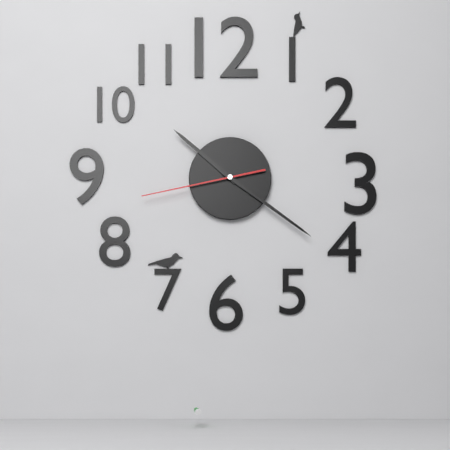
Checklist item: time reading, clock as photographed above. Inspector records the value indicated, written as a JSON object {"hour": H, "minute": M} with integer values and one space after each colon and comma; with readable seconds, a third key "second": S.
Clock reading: {"hour": 10, "minute": 21, "second": 43}
